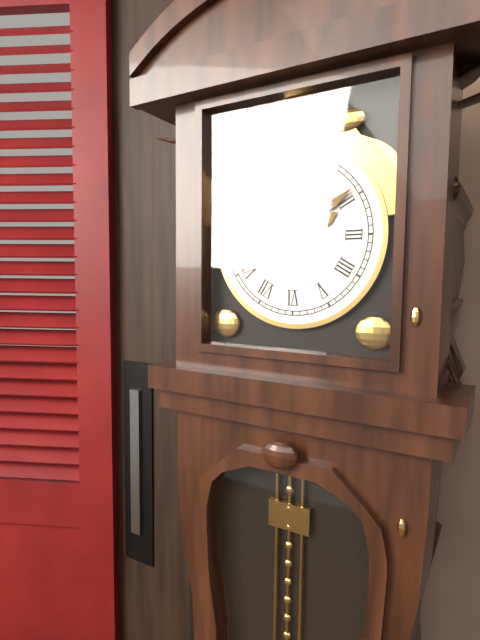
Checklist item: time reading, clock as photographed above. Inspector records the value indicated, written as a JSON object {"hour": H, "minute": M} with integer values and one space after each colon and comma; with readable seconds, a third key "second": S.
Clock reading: {"hour": 2, "minute": 9}
